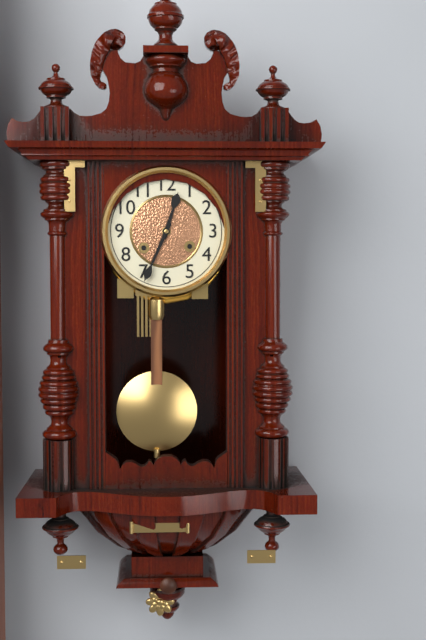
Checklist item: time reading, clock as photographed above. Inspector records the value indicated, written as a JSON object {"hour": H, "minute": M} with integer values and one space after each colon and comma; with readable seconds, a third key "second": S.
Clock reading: {"hour": 12, "minute": 34}
